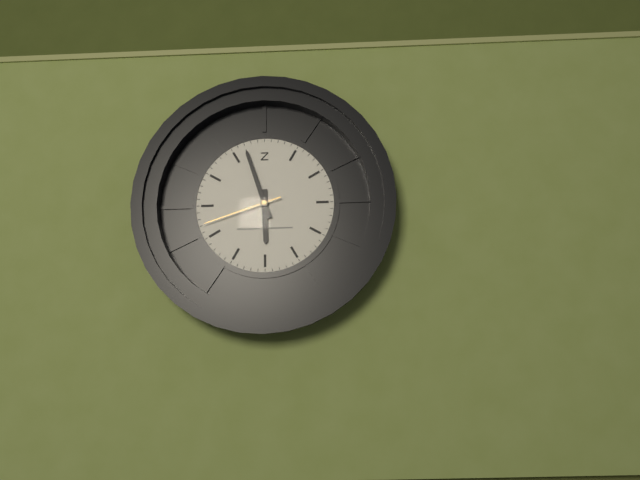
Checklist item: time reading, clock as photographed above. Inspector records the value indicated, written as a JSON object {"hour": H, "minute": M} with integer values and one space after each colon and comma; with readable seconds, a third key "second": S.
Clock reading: {"hour": 5, "minute": 57, "second": 42}
